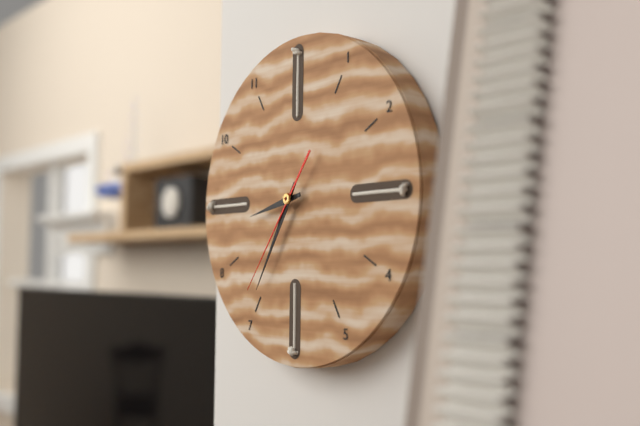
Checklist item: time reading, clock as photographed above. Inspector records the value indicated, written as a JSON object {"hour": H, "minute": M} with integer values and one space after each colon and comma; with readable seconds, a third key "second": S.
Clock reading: {"hour": 8, "minute": 35, "second": 36}
